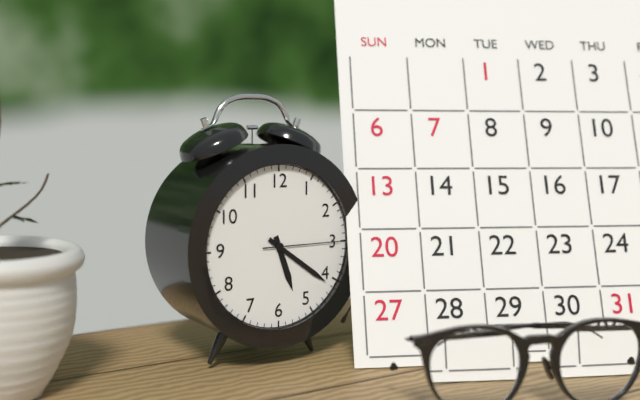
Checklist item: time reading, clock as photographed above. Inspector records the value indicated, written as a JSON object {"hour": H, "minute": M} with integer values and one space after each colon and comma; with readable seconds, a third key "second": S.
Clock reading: {"hour": 5, "minute": 21, "second": 15}
